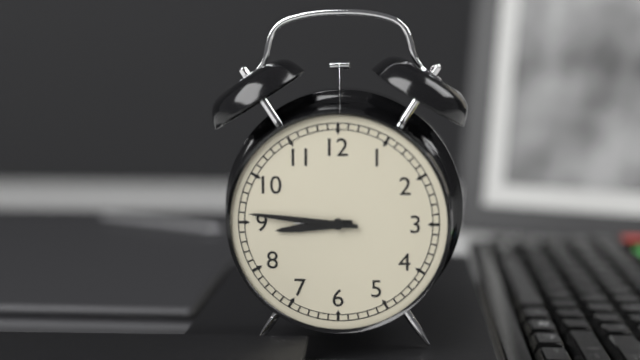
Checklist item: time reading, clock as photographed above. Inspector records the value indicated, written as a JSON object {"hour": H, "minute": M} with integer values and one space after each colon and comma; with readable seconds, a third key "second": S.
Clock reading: {"hour": 8, "minute": 46}
